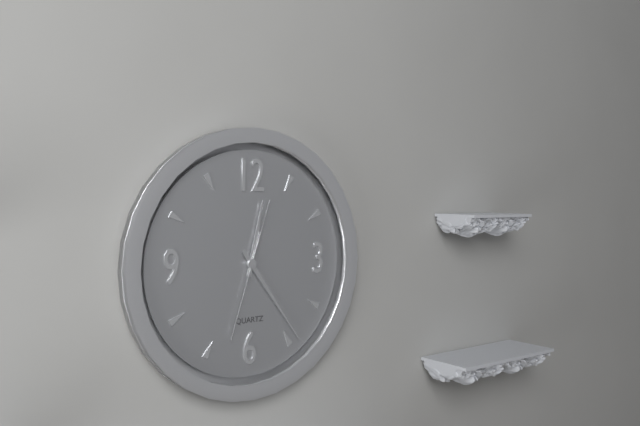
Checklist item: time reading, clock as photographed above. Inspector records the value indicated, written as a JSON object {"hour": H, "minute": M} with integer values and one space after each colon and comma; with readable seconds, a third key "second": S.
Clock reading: {"hour": 12, "minute": 24, "second": 33}
